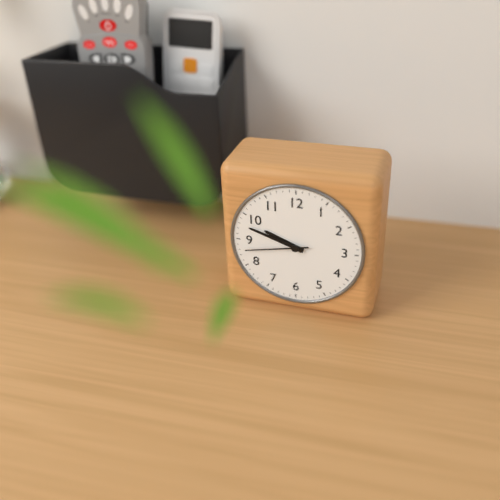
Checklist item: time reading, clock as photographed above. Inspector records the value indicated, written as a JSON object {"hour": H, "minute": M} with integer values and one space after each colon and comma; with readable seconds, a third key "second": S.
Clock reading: {"hour": 9, "minute": 48, "second": 43}
